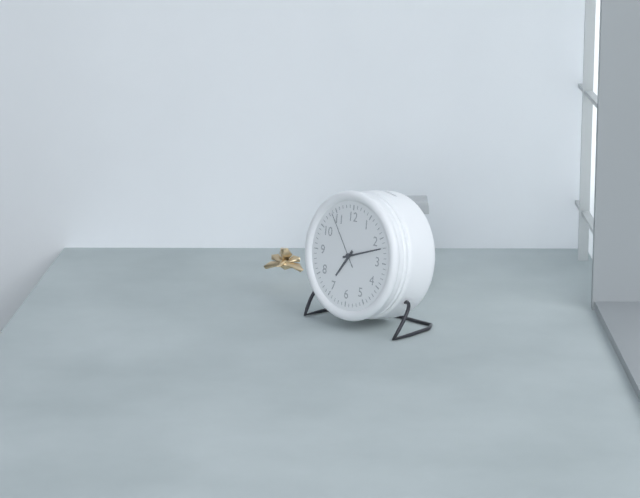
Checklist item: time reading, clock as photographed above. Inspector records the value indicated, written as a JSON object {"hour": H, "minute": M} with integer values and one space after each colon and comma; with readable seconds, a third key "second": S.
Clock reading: {"hour": 7, "minute": 12, "second": 54}
